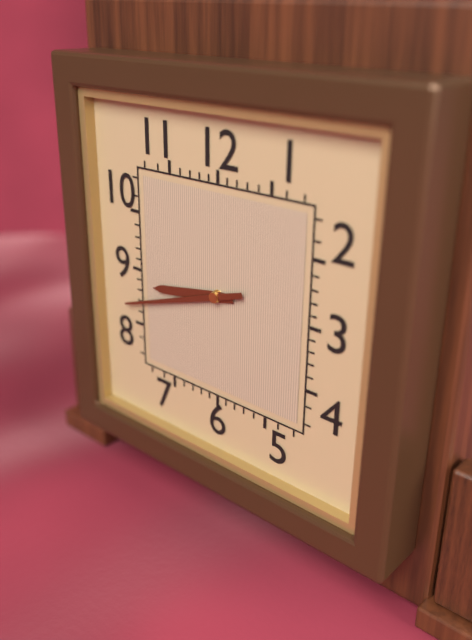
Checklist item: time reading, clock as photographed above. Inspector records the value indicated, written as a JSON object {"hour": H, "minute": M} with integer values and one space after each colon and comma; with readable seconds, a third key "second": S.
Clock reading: {"hour": 8, "minute": 42}
